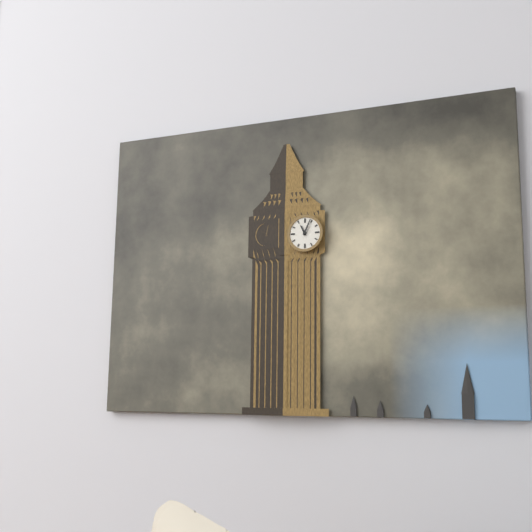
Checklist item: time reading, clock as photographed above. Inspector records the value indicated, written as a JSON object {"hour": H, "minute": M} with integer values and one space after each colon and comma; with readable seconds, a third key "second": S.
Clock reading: {"hour": 11, "minute": 4}
